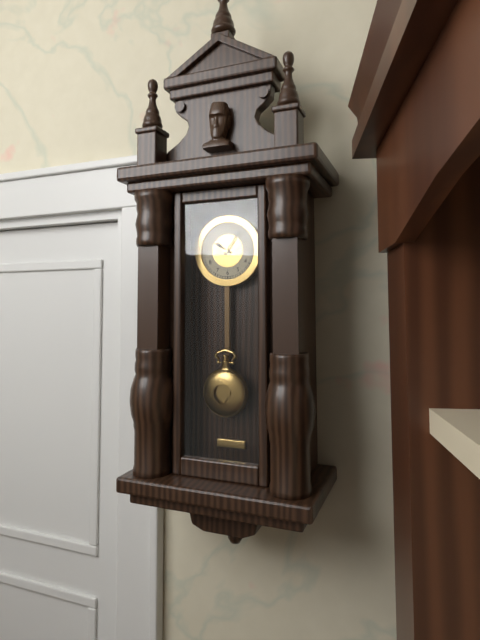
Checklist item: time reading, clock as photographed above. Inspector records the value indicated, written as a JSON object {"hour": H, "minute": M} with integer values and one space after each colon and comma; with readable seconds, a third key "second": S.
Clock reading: {"hour": 10, "minute": 6}
